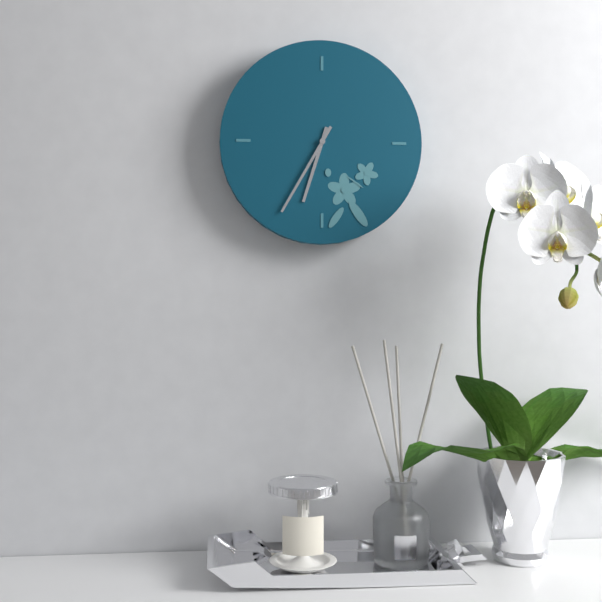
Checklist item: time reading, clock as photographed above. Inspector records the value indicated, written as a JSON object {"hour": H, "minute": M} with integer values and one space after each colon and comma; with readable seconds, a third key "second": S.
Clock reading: {"hour": 6, "minute": 35}
